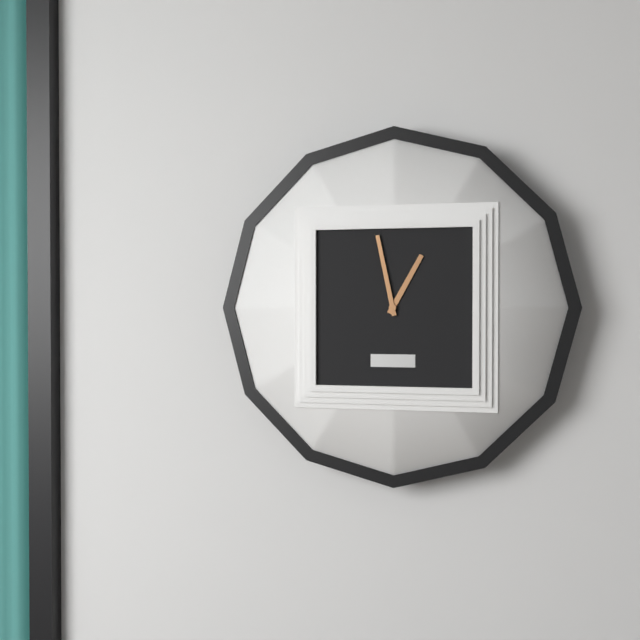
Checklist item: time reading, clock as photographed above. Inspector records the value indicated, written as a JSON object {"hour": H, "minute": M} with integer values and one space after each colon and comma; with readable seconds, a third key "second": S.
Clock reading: {"hour": 12, "minute": 58}
